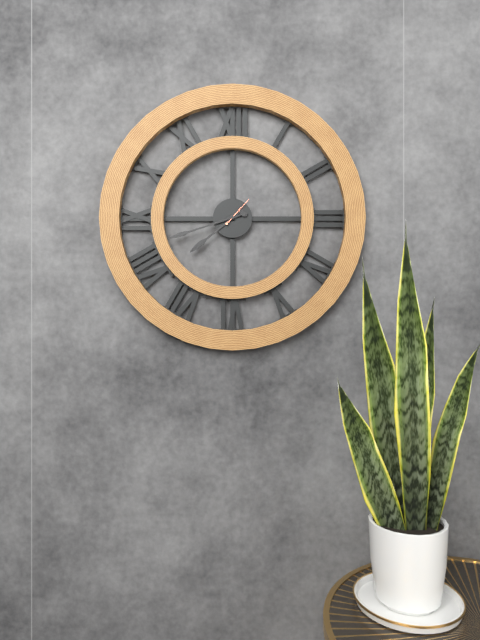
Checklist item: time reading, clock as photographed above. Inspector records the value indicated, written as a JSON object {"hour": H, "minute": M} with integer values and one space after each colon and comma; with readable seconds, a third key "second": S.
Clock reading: {"hour": 7, "minute": 42}
